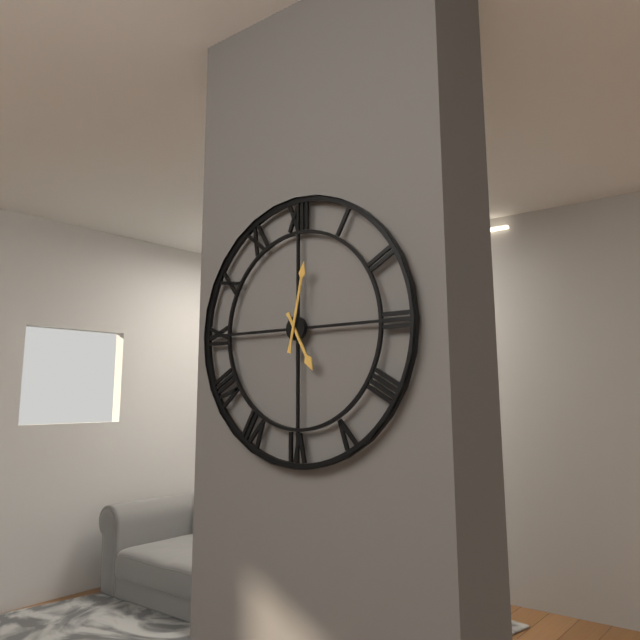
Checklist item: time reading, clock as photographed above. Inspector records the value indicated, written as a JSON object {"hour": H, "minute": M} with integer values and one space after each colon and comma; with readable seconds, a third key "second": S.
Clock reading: {"hour": 5, "minute": 2}
